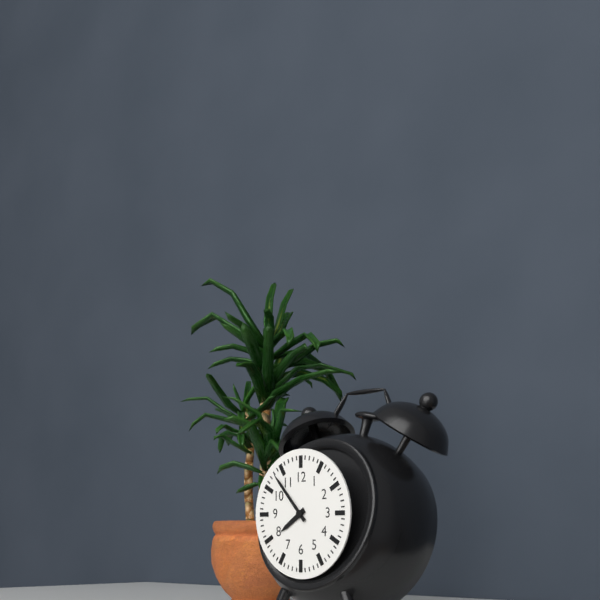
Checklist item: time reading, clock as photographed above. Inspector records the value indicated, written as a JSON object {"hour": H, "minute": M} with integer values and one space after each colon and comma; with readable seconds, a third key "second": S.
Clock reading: {"hour": 7, "minute": 53}
